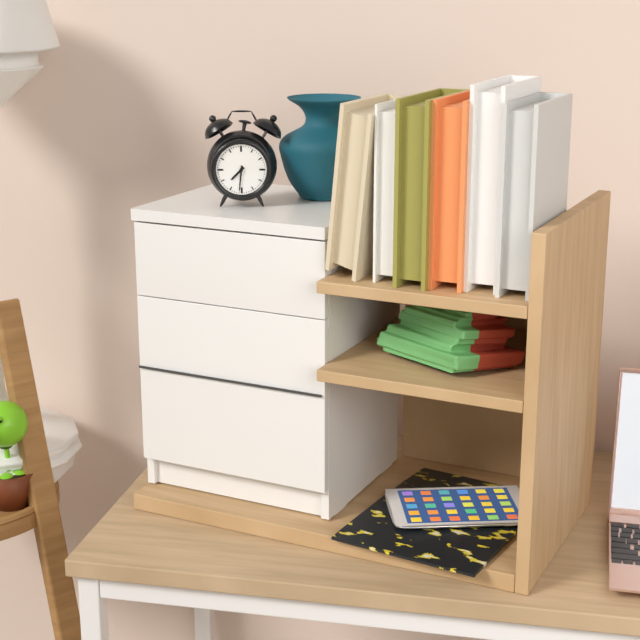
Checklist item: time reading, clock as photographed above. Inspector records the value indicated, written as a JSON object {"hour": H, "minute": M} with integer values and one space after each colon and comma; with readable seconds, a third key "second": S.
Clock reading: {"hour": 7, "minute": 31}
